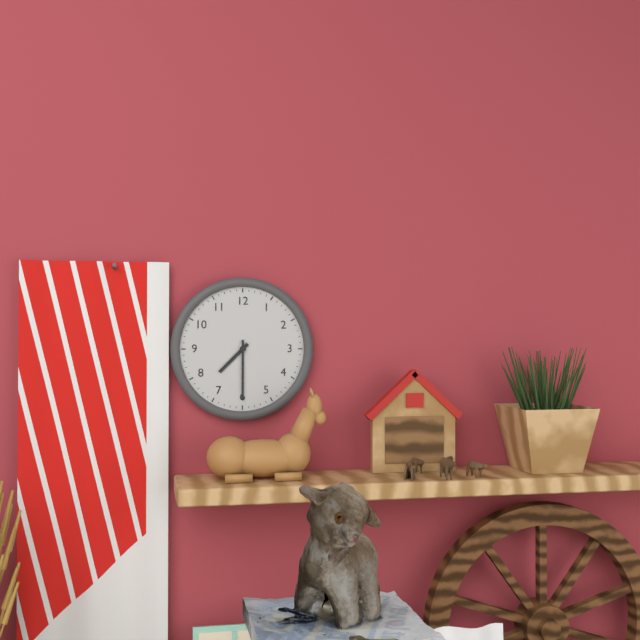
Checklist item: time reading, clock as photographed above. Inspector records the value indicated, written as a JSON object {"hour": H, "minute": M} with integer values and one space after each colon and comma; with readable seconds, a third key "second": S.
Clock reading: {"hour": 7, "minute": 30}
